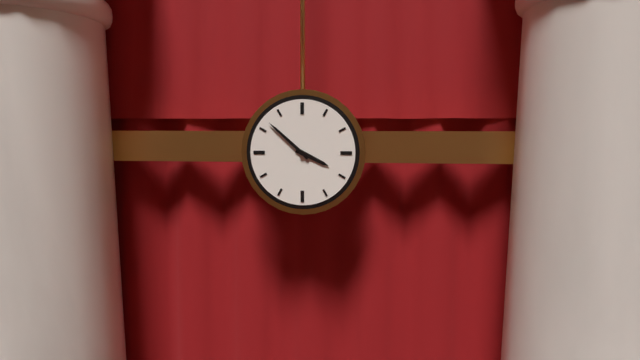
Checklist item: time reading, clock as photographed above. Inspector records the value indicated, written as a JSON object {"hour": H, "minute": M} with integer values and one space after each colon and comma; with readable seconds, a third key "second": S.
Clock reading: {"hour": 3, "minute": 52}
